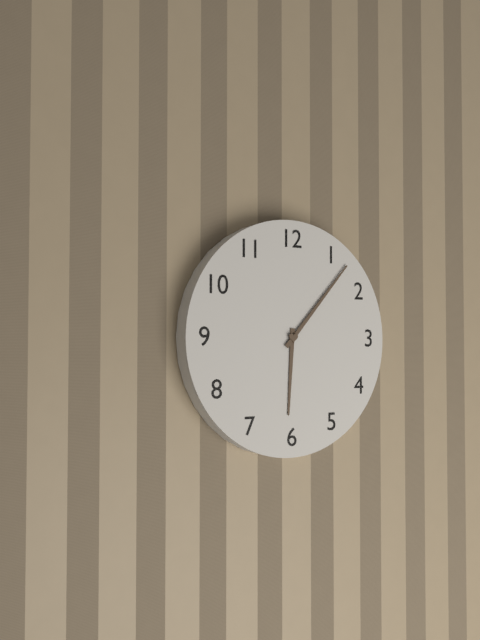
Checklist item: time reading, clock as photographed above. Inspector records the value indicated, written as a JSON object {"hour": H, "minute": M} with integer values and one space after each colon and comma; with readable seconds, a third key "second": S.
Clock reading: {"hour": 6, "minute": 7}
